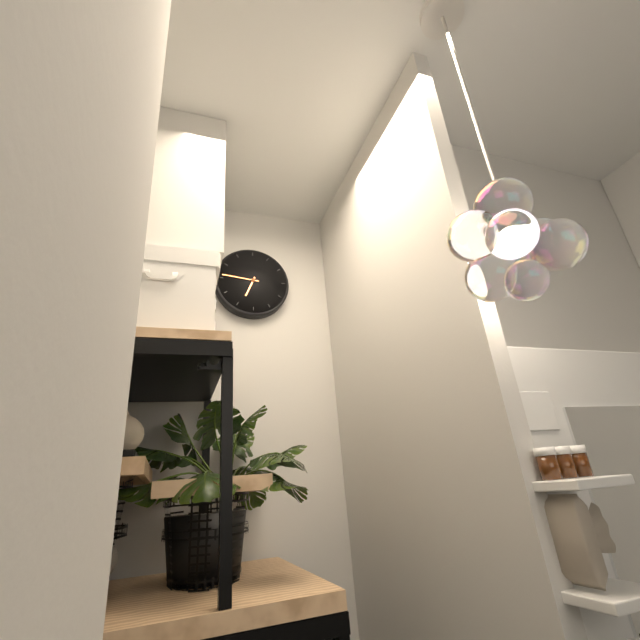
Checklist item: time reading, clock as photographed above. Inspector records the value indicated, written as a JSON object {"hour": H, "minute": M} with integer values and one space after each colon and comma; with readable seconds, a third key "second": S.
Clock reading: {"hour": 6, "minute": 46}
